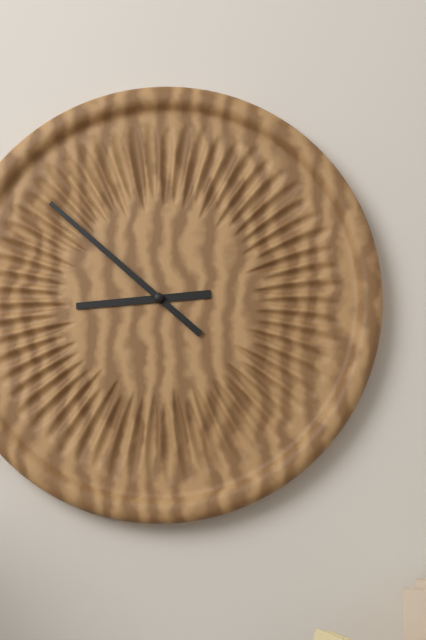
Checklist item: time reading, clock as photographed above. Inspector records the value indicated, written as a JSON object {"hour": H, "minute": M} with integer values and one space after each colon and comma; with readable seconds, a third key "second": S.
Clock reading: {"hour": 8, "minute": 52}
